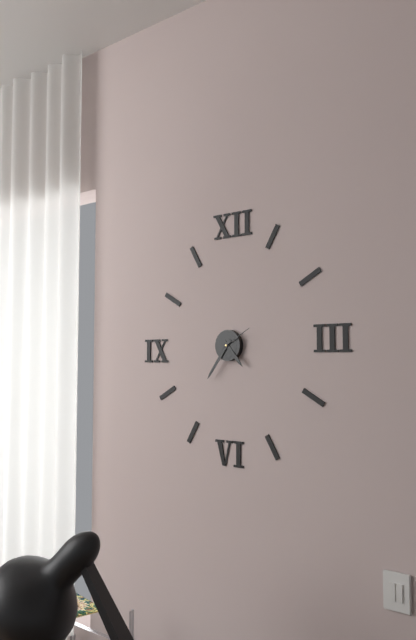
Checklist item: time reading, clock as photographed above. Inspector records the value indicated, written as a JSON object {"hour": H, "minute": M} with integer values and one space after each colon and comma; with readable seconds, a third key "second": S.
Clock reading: {"hour": 4, "minute": 36}
